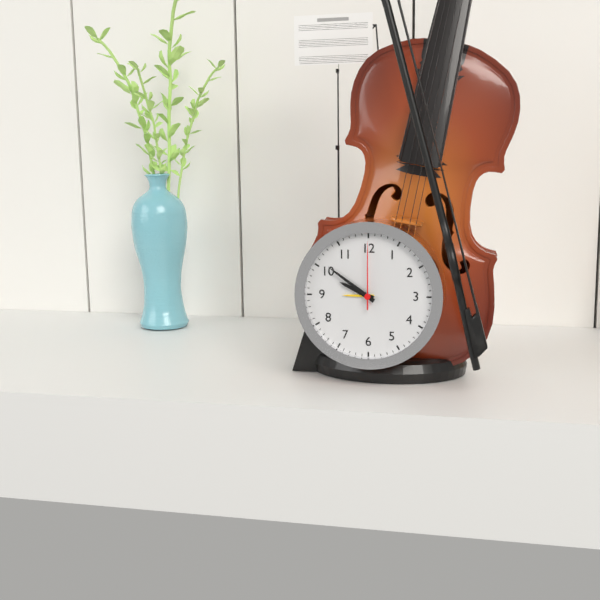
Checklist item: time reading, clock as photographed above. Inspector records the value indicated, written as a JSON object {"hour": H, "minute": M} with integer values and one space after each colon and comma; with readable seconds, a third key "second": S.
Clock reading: {"hour": 9, "minute": 51, "second": 0}
